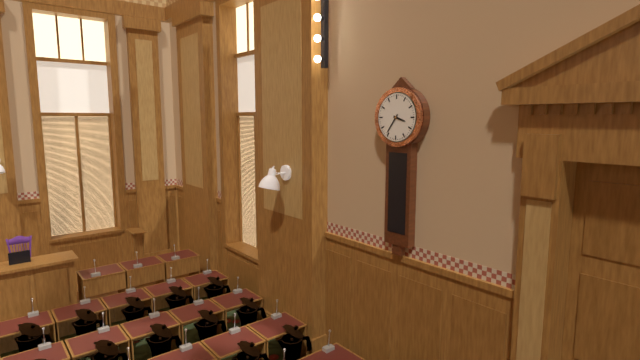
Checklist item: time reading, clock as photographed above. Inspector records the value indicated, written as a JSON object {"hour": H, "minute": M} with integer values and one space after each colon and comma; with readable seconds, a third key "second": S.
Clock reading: {"hour": 3, "minute": 36}
